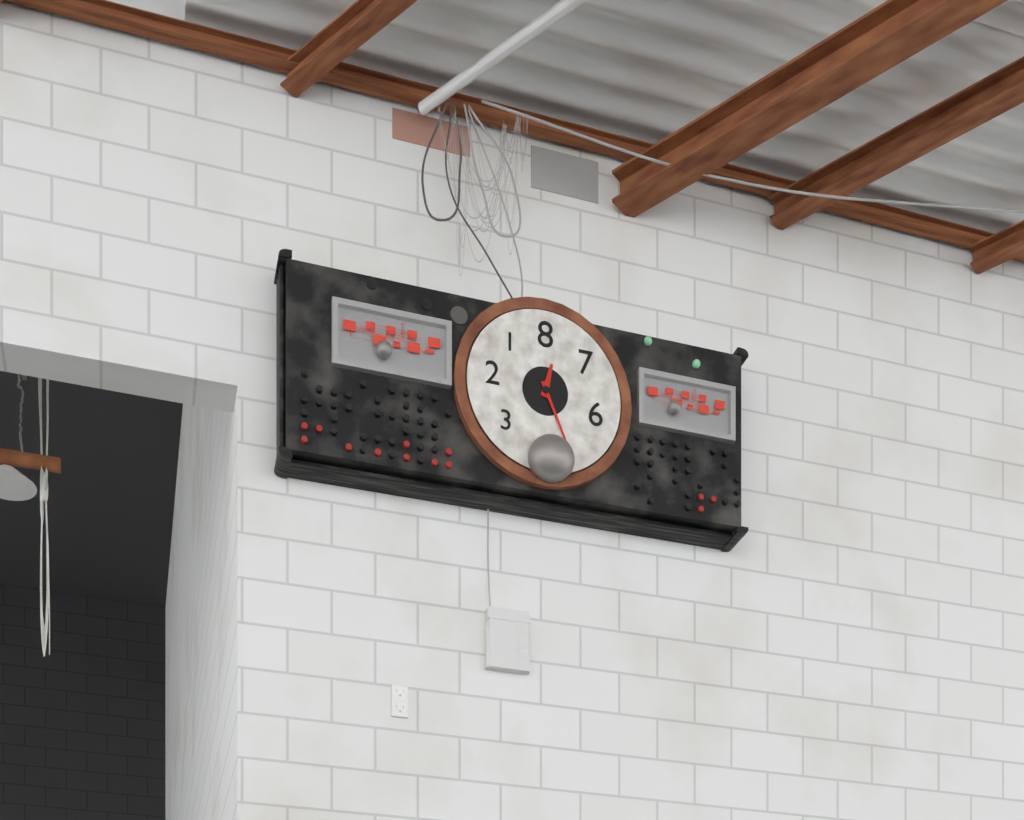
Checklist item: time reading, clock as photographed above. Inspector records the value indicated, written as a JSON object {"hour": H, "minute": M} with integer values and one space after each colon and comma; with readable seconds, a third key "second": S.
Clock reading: {"hour": 12, "minute": 26}
